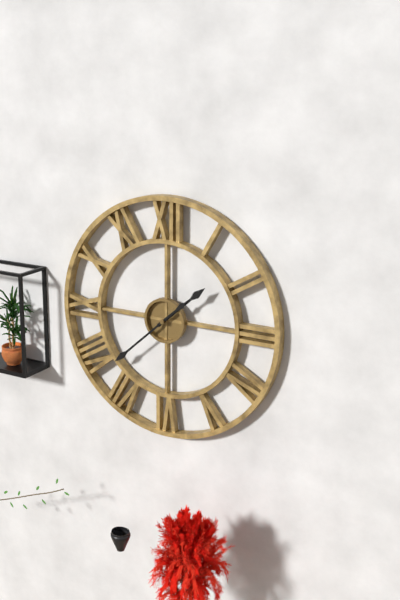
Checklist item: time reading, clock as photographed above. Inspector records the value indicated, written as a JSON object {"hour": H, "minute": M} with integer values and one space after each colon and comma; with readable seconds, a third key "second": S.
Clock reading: {"hour": 1, "minute": 38}
